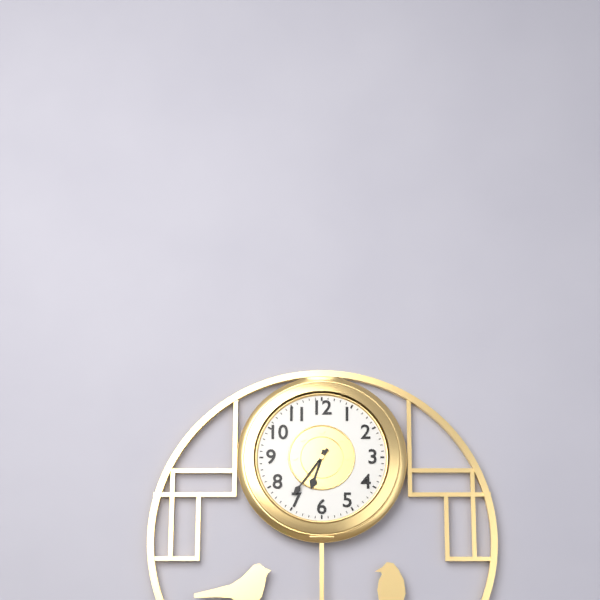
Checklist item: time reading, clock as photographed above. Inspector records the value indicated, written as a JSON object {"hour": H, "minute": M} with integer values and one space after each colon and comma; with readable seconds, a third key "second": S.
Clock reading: {"hour": 6, "minute": 36}
